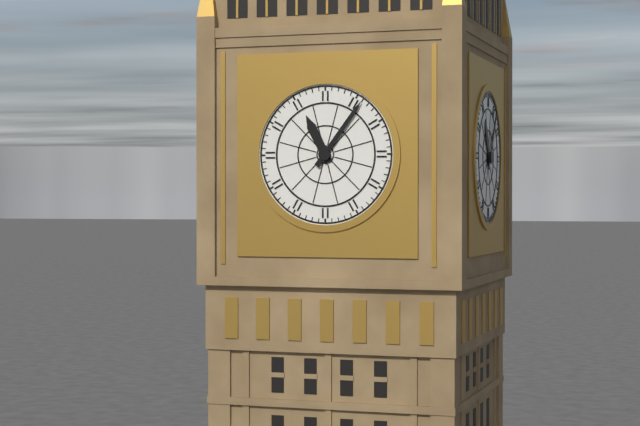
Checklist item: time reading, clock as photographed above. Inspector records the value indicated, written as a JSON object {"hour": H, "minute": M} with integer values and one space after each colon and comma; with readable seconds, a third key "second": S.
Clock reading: {"hour": 11, "minute": 6}
